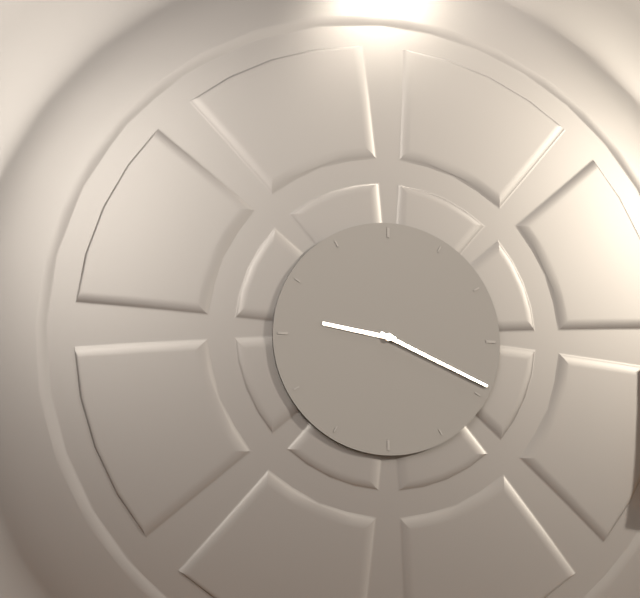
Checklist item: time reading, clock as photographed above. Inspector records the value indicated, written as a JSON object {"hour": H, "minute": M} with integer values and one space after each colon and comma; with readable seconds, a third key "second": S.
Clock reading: {"hour": 9, "minute": 19}
